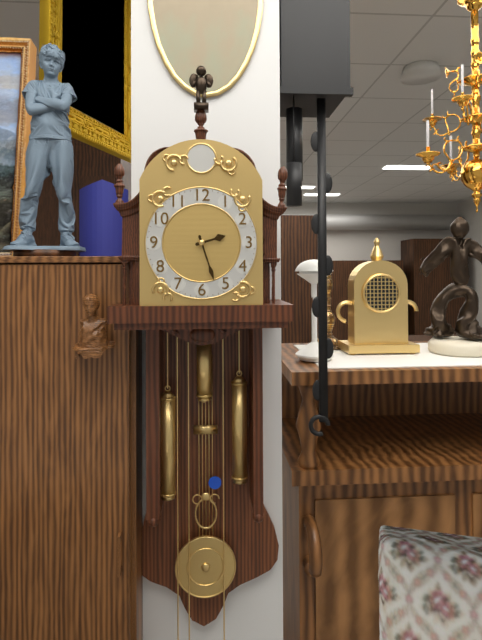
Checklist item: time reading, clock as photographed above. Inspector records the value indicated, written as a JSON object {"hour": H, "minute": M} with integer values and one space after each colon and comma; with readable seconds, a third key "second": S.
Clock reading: {"hour": 2, "minute": 27}
